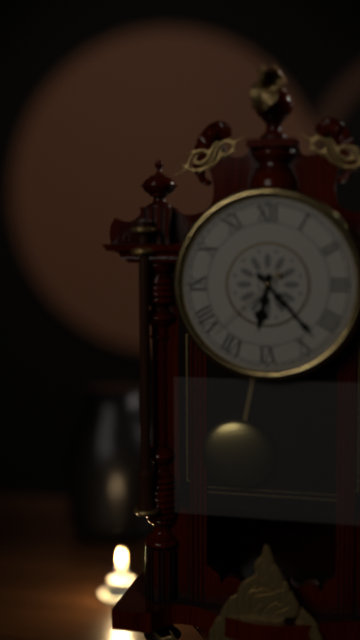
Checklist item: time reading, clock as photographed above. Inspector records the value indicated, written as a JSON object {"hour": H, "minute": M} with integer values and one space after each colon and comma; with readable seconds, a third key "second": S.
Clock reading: {"hour": 6, "minute": 23, "second": 38}
